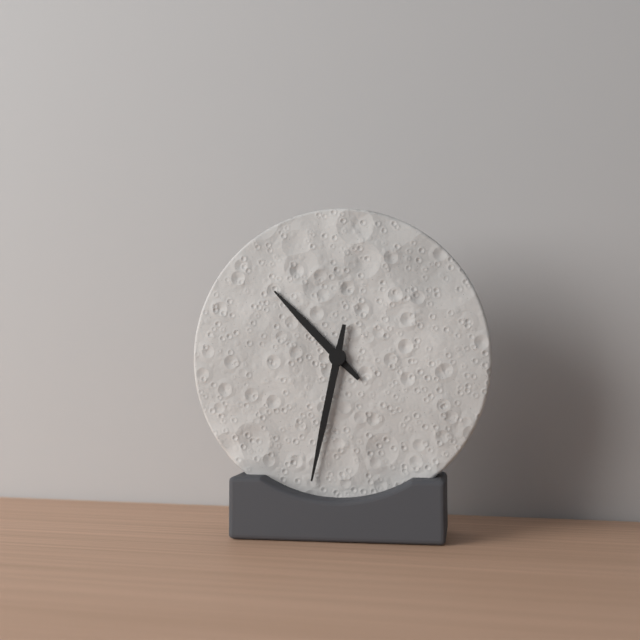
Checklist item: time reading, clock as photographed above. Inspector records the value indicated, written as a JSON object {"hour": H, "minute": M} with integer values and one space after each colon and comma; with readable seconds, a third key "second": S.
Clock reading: {"hour": 10, "minute": 32}
